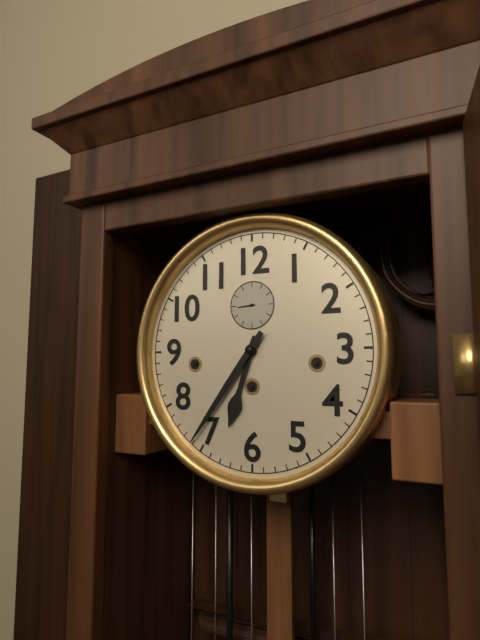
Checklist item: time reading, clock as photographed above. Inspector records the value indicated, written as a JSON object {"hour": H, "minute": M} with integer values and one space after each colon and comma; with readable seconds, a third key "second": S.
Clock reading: {"hour": 6, "minute": 36}
